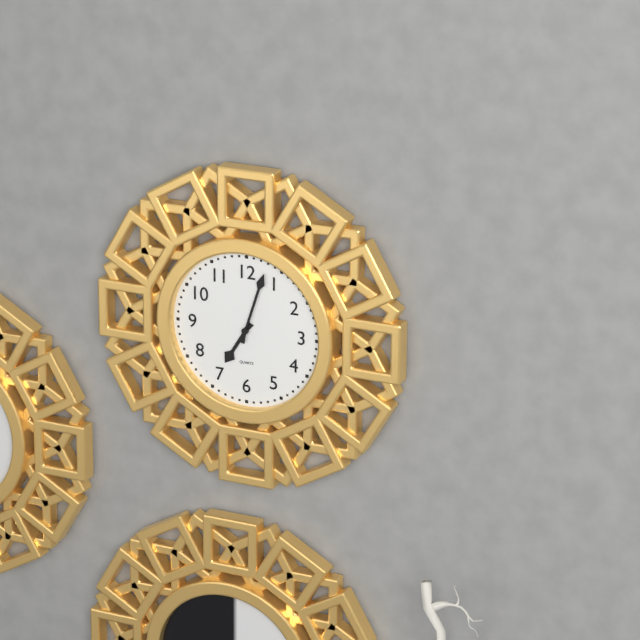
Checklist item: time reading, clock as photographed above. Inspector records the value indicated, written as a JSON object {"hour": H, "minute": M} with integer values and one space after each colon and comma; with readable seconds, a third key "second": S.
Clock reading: {"hour": 7, "minute": 3}
